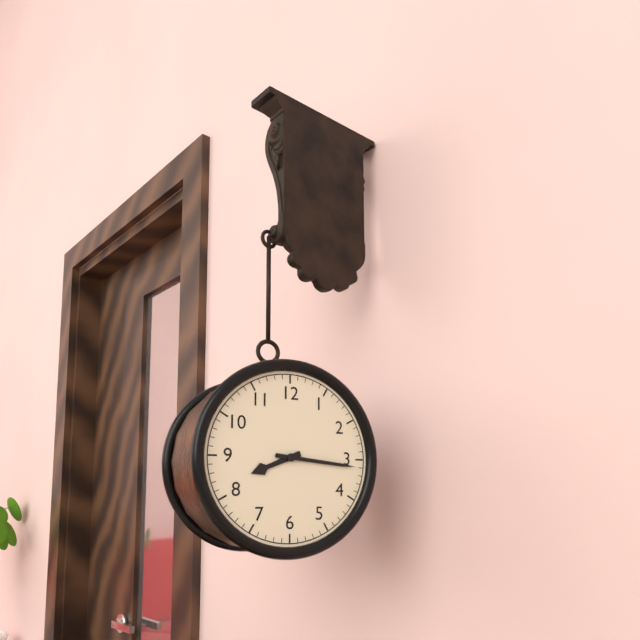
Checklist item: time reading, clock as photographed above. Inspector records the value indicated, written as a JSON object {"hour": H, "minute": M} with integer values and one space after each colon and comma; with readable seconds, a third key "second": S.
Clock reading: {"hour": 8, "minute": 16}
